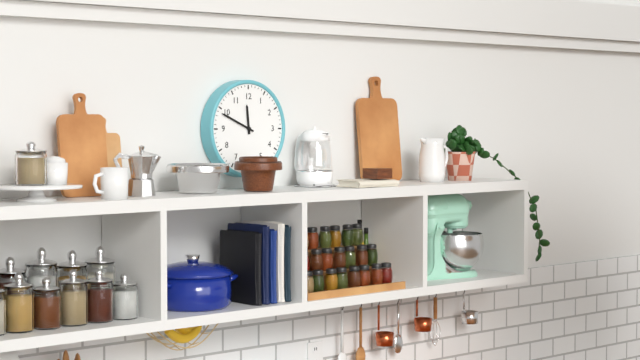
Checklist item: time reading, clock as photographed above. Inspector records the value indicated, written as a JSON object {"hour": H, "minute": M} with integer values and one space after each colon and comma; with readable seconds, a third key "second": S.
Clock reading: {"hour": 11, "minute": 49}
